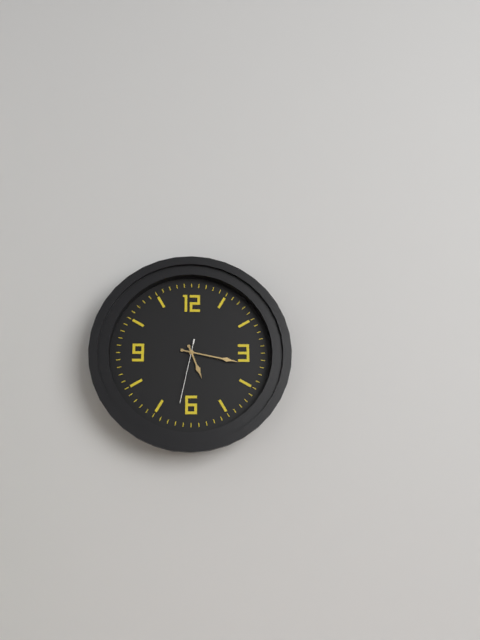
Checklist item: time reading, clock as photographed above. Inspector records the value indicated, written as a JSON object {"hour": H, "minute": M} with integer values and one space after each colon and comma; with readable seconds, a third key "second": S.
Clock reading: {"hour": 5, "minute": 17, "second": 32}
